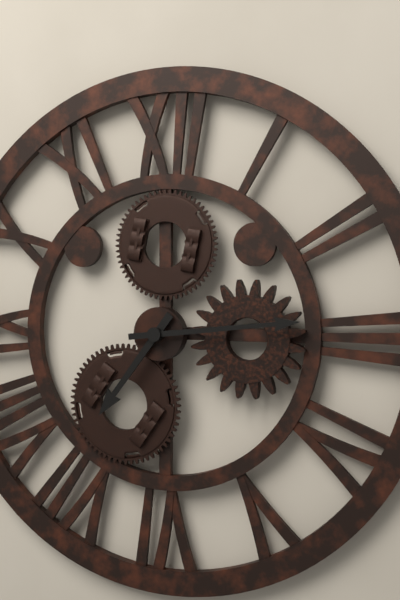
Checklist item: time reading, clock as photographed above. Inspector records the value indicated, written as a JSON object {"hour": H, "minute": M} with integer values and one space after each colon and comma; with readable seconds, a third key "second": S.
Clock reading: {"hour": 7, "minute": 14}
